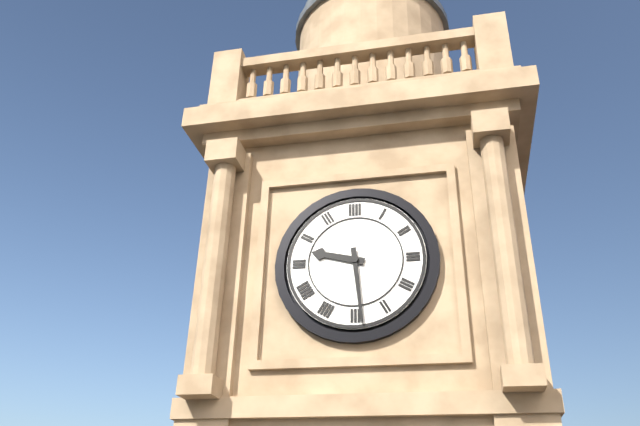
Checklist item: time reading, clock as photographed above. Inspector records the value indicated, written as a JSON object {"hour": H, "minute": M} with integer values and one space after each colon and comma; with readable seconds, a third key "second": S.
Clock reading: {"hour": 9, "minute": 29}
